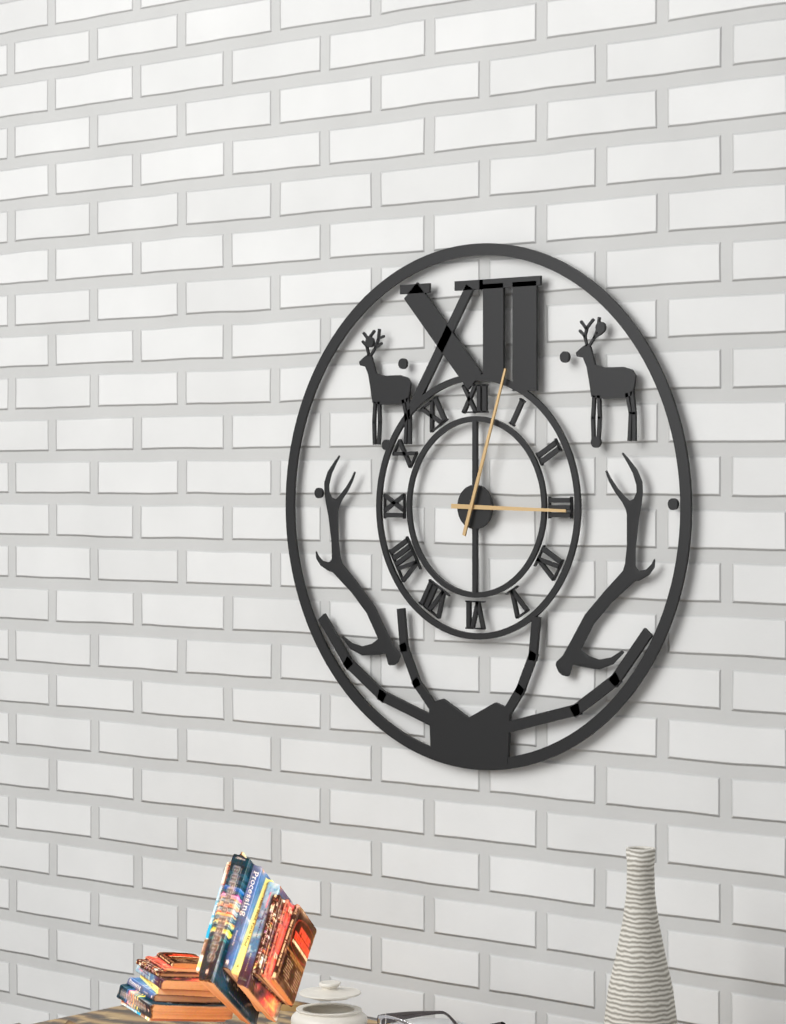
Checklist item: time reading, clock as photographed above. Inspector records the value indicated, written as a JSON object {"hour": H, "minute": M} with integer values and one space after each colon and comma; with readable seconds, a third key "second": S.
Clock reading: {"hour": 3, "minute": 3}
